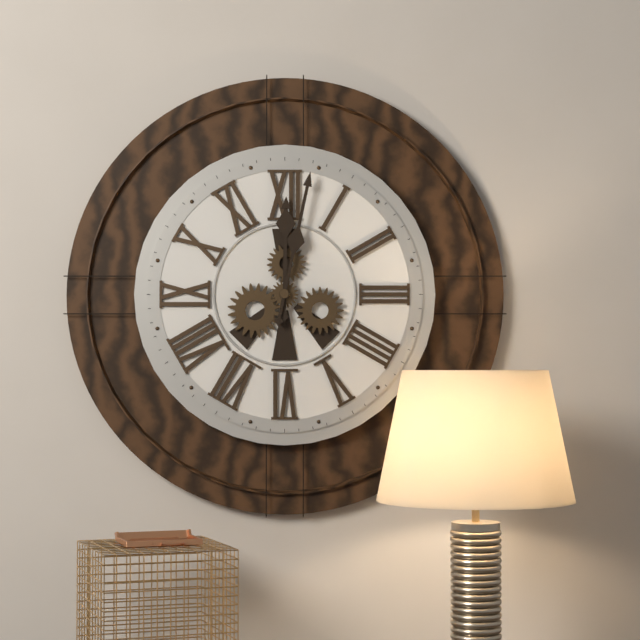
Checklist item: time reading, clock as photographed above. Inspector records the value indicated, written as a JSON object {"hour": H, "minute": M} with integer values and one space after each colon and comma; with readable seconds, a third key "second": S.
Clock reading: {"hour": 12, "minute": 2}
